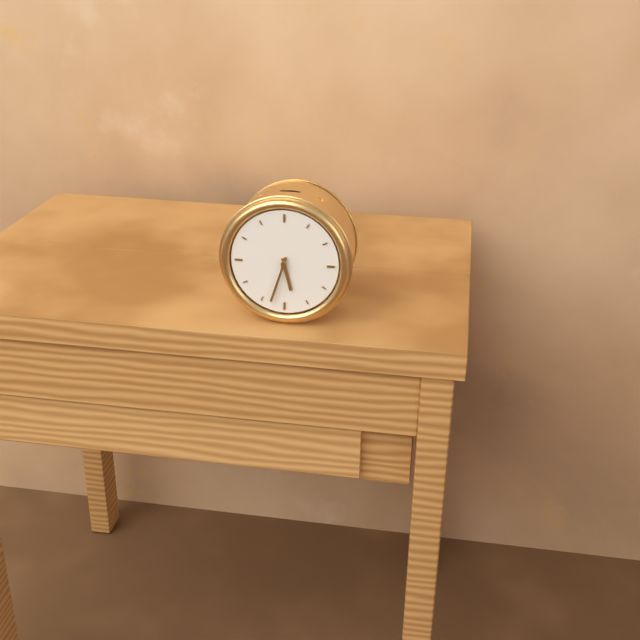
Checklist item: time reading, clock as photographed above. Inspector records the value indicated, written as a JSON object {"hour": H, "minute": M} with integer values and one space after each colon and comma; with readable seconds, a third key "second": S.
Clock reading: {"hour": 5, "minute": 33}
